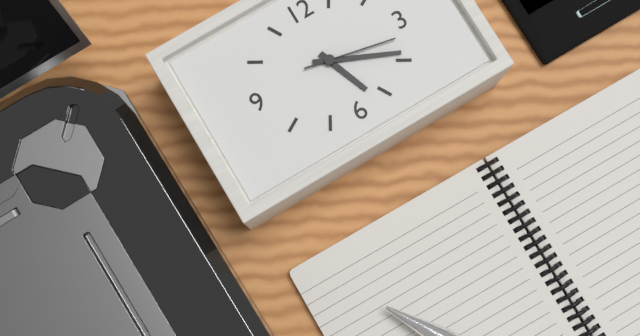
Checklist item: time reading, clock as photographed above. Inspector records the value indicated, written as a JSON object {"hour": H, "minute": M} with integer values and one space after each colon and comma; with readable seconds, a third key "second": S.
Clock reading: {"hour": 5, "minute": 19, "second": 17}
